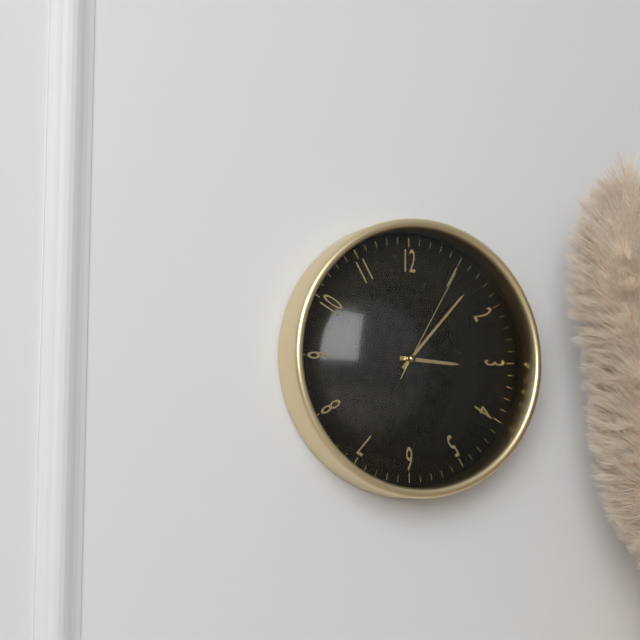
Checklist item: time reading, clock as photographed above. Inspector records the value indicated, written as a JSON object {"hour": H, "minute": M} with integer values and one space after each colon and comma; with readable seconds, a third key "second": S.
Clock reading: {"hour": 3, "minute": 7, "second": 5}
